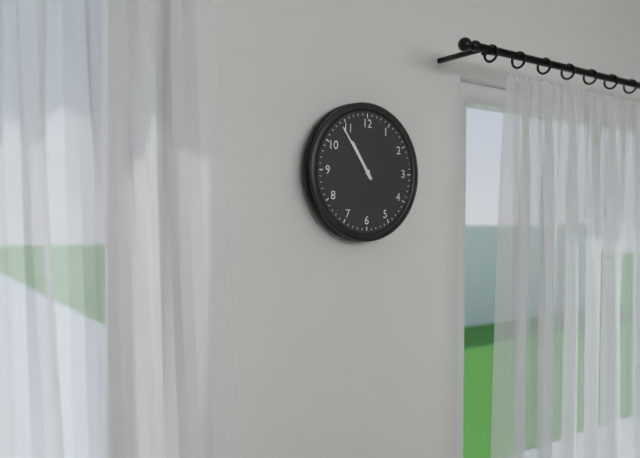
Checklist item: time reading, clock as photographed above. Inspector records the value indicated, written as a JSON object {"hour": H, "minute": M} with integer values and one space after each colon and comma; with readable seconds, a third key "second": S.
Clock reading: {"hour": 10, "minute": 54}
